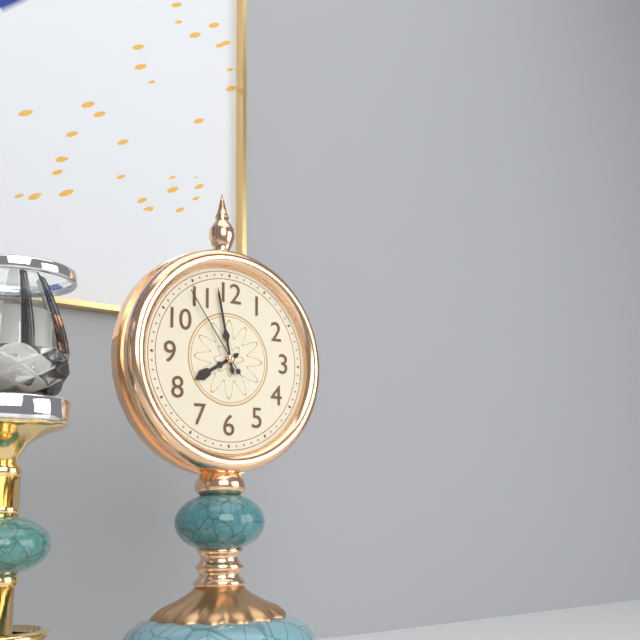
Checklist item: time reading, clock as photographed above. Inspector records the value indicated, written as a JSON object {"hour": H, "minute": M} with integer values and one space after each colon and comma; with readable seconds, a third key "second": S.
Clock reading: {"hour": 7, "minute": 58, "second": 54}
